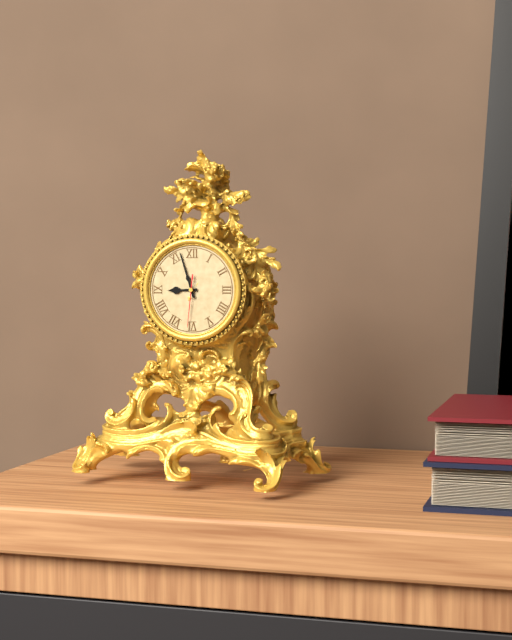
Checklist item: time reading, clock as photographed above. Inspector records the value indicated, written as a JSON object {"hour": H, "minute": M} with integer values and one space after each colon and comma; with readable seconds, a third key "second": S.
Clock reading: {"hour": 8, "minute": 57}
